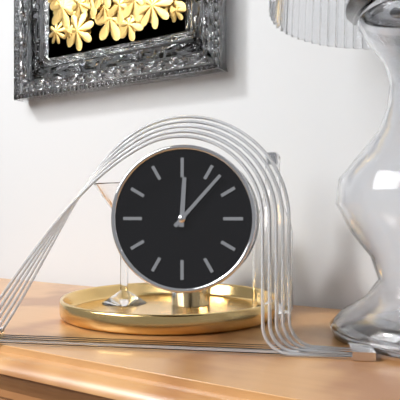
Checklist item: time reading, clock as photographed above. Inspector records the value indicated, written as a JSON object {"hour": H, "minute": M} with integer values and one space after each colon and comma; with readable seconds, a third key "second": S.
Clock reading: {"hour": 12, "minute": 7}
